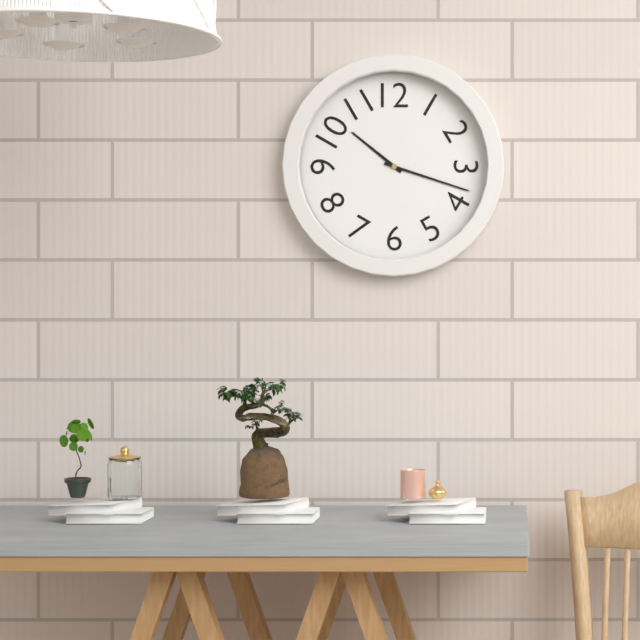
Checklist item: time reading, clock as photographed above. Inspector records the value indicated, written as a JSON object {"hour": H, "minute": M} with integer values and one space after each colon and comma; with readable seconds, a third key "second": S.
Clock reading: {"hour": 10, "minute": 18}
